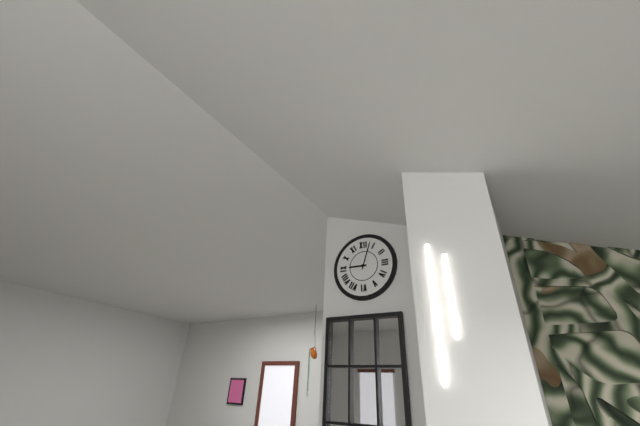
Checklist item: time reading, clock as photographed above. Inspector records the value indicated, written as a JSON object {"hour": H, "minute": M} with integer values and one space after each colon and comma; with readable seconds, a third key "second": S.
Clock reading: {"hour": 9, "minute": 3}
